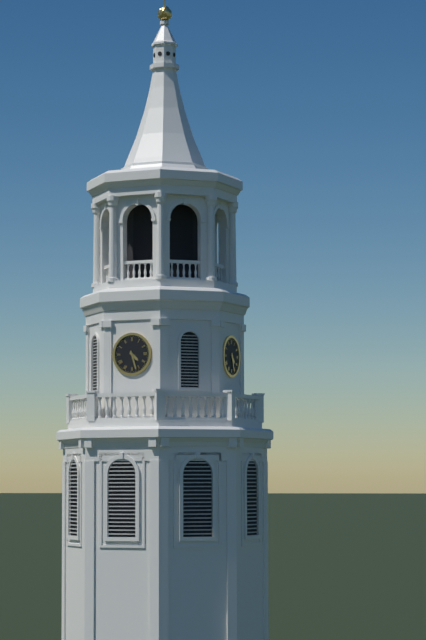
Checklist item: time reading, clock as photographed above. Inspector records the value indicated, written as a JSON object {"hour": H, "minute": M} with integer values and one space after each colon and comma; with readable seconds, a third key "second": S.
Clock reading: {"hour": 4, "minute": 27}
